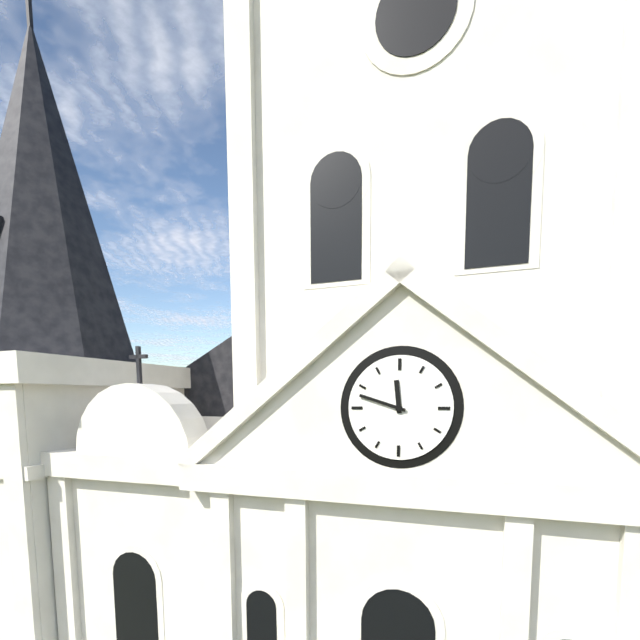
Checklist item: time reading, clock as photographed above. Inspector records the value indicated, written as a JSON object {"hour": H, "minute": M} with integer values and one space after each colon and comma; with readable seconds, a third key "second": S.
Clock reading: {"hour": 11, "minute": 48}
